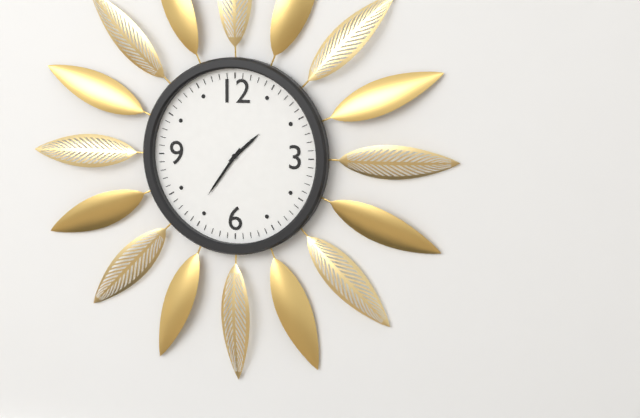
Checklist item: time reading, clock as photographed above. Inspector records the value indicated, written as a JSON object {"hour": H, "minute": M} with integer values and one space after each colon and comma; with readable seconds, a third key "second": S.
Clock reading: {"hour": 1, "minute": 36}
